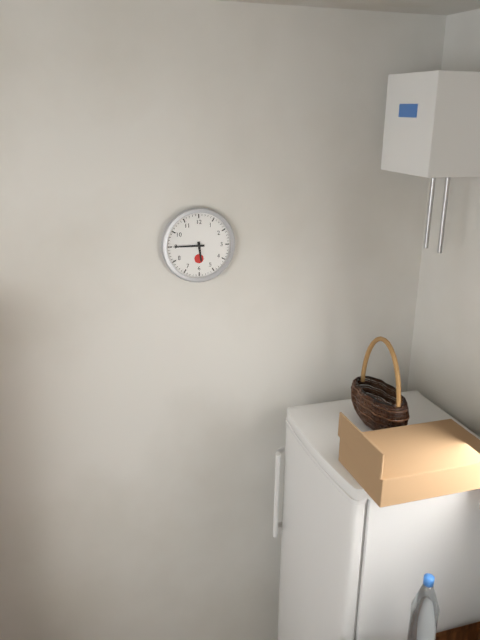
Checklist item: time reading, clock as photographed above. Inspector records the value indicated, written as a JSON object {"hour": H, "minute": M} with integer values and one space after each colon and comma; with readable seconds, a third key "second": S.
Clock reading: {"hour": 5, "minute": 45}
